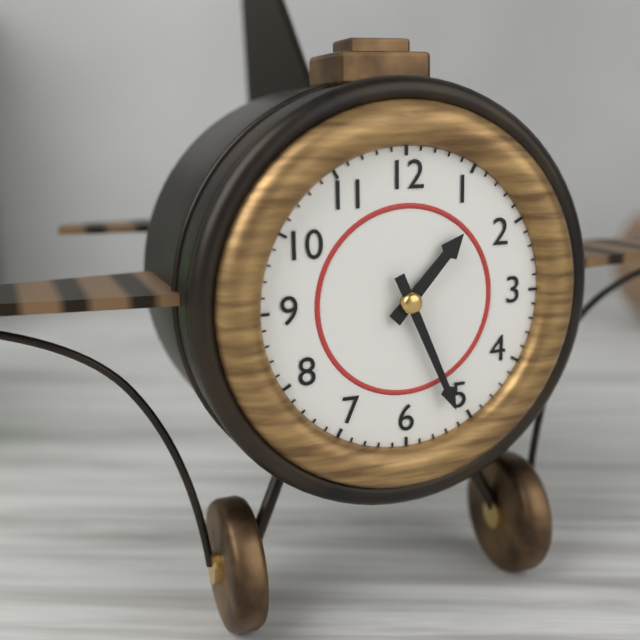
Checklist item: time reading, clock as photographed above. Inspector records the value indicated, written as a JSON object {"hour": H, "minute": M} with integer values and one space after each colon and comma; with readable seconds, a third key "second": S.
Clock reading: {"hour": 1, "minute": 26}
